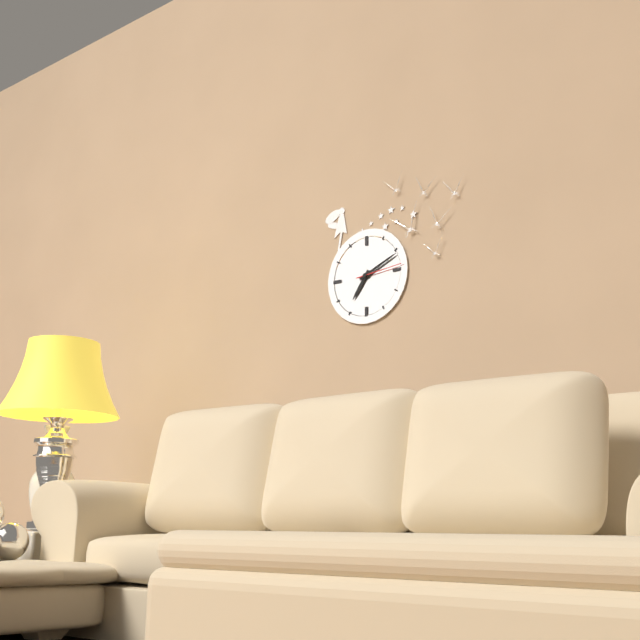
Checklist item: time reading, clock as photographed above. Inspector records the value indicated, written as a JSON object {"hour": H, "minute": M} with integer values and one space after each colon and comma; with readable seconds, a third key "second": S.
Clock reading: {"hour": 7, "minute": 11}
